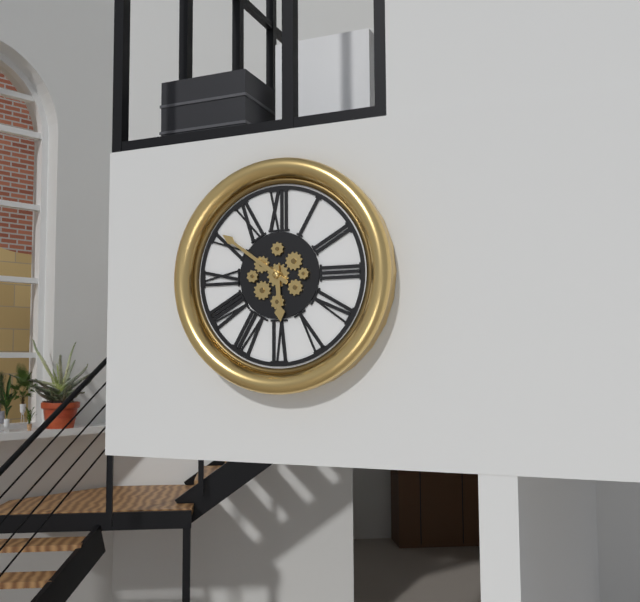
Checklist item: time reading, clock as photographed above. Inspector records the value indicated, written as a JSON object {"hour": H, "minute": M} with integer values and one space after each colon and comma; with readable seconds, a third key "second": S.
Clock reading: {"hour": 5, "minute": 51}
